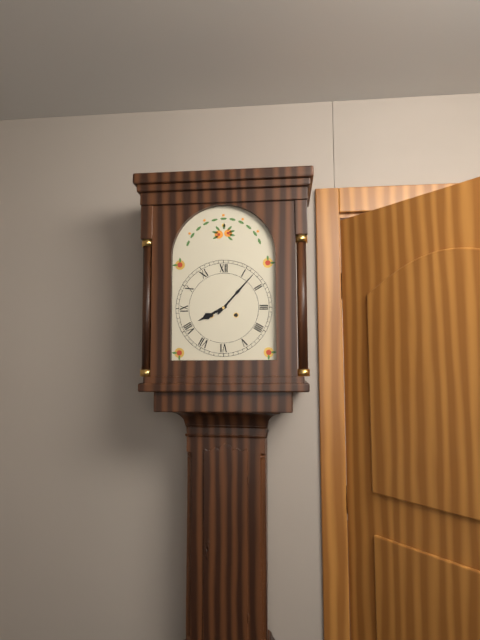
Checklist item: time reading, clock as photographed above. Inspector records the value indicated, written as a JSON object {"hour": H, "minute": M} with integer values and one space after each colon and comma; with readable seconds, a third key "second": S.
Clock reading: {"hour": 8, "minute": 7}
